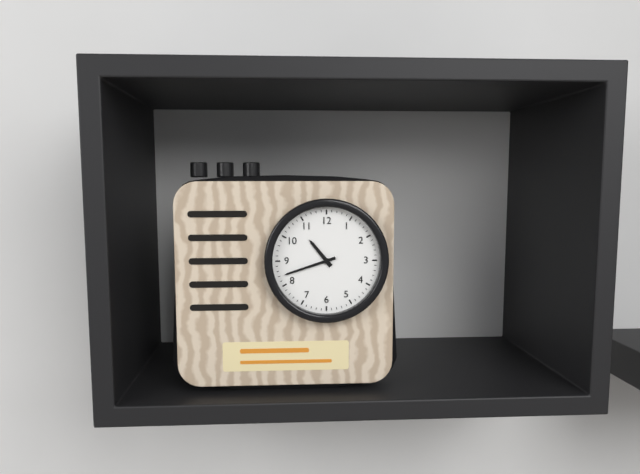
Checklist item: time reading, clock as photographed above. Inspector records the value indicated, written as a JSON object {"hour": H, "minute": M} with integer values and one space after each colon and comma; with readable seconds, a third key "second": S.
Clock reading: {"hour": 10, "minute": 42}
